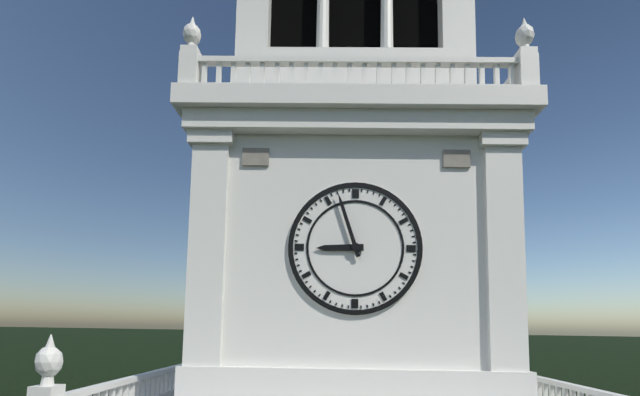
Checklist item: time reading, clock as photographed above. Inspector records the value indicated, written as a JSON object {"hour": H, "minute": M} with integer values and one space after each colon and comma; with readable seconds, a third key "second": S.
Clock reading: {"hour": 8, "minute": 57}
